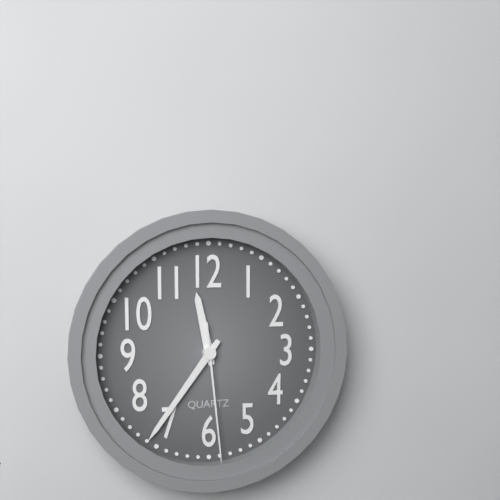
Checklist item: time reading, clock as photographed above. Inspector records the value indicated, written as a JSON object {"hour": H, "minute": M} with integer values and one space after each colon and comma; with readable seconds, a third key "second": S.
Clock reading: {"hour": 11, "minute": 36, "second": 29}
